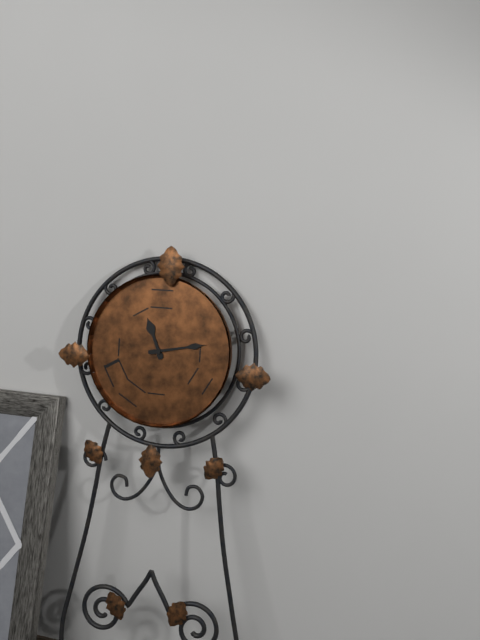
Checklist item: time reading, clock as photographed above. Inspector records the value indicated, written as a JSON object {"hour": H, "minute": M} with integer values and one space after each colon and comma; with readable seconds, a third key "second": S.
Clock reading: {"hour": 11, "minute": 13}
